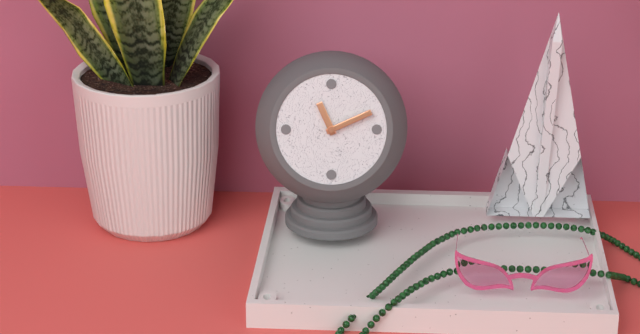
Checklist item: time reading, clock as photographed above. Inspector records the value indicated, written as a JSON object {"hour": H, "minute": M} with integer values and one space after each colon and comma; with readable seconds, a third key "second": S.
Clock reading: {"hour": 11, "minute": 11}
